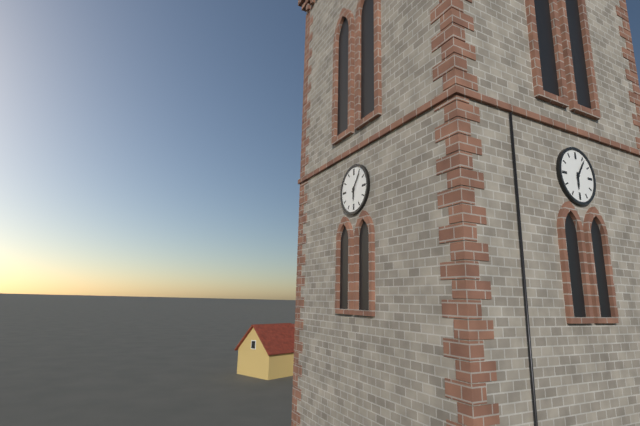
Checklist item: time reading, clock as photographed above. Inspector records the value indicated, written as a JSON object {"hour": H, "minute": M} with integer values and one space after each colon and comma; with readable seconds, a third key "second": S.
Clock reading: {"hour": 6, "minute": 6}
